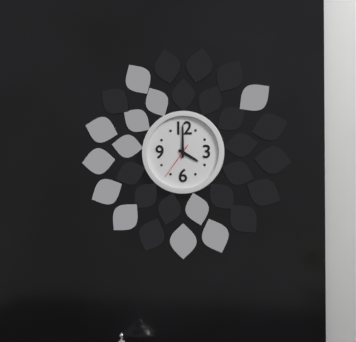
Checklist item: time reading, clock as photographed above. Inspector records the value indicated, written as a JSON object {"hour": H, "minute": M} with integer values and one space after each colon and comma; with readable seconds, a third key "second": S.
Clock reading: {"hour": 4, "minute": 0}
